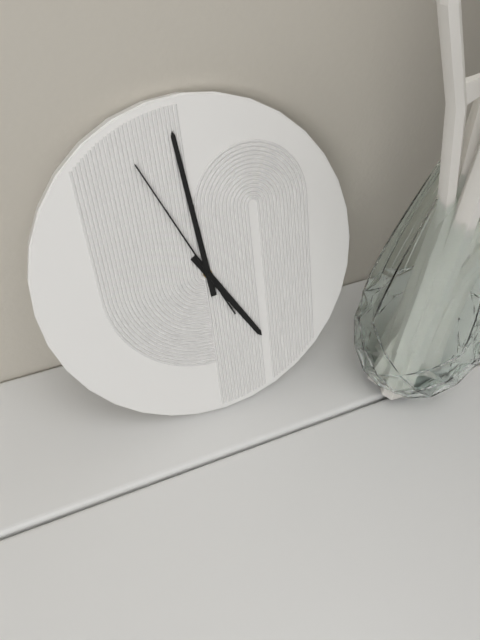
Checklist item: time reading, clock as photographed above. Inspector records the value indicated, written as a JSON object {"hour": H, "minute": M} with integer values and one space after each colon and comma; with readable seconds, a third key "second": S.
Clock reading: {"hour": 4, "minute": 59, "second": 56}
